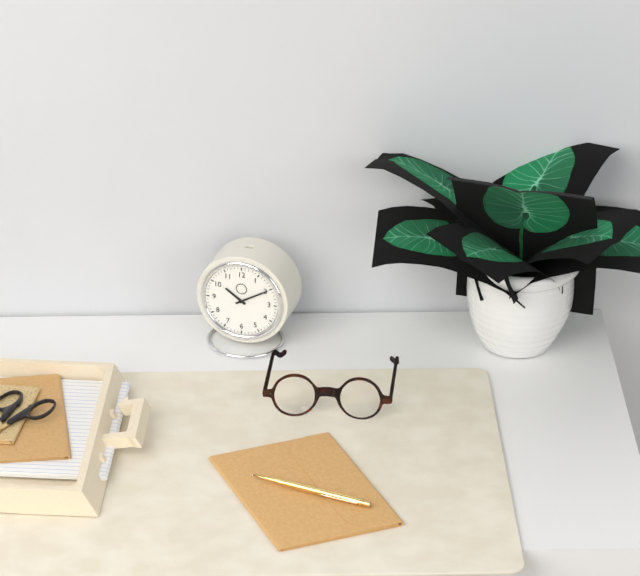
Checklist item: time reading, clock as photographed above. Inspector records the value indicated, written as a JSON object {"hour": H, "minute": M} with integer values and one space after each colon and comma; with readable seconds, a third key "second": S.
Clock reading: {"hour": 10, "minute": 10}
